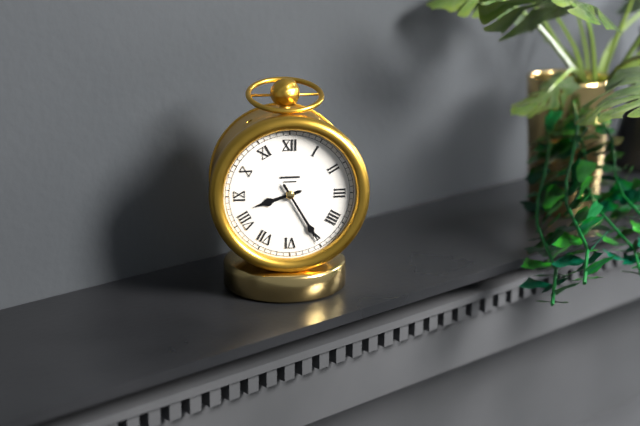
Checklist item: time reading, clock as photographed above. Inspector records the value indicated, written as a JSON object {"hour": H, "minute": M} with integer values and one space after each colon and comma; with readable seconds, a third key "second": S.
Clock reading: {"hour": 8, "minute": 25}
